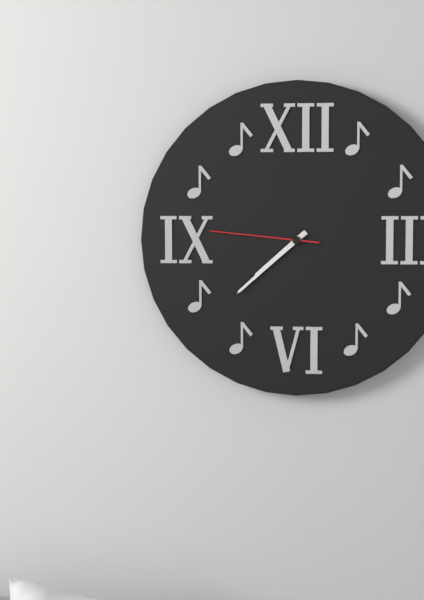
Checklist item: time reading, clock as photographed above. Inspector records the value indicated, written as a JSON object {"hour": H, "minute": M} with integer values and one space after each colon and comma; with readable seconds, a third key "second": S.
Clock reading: {"hour": 7, "minute": 38, "second": 46}
